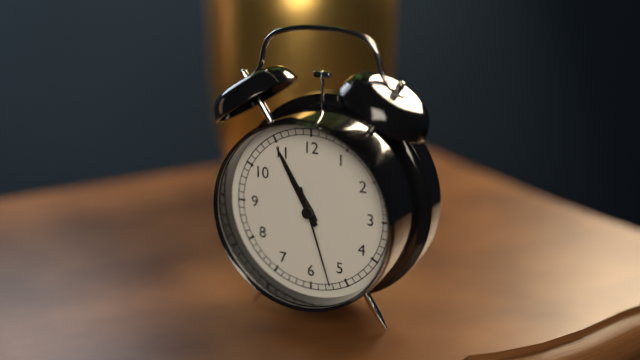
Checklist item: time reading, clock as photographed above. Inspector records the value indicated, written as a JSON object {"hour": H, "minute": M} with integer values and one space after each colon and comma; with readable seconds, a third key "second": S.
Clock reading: {"hour": 10, "minute": 55, "second": 27}
